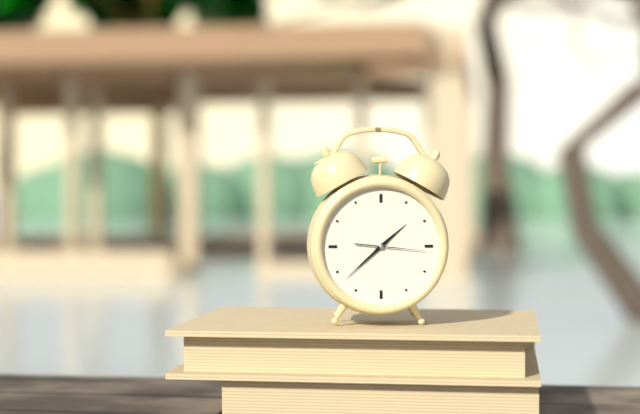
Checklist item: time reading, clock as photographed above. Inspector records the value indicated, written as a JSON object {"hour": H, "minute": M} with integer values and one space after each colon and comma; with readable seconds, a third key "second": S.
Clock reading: {"hour": 1, "minute": 38, "second": 16}
